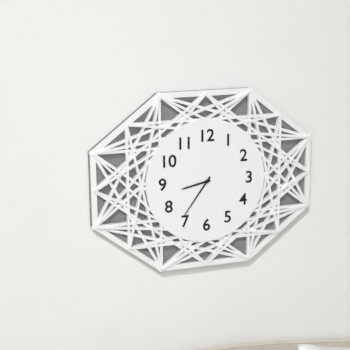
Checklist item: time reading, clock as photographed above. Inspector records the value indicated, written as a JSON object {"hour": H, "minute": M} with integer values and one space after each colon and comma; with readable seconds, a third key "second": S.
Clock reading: {"hour": 8, "minute": 36}
